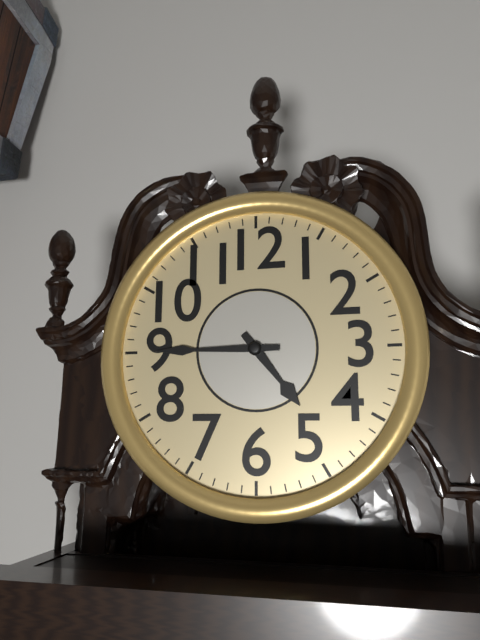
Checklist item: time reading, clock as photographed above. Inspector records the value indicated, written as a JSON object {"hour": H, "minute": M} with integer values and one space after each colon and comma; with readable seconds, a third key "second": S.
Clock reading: {"hour": 4, "minute": 45}
